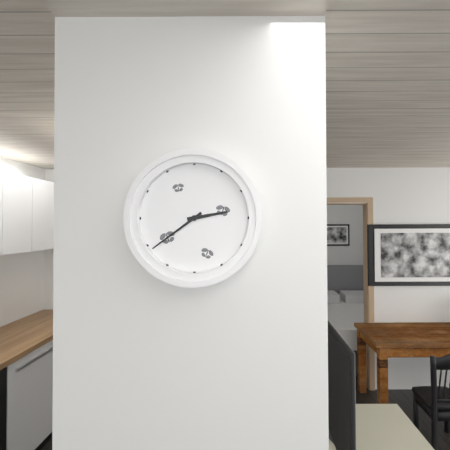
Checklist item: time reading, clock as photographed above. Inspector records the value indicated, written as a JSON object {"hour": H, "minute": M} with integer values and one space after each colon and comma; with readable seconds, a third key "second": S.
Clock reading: {"hour": 2, "minute": 39}
